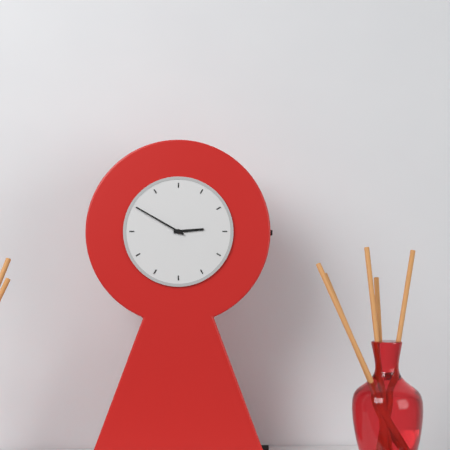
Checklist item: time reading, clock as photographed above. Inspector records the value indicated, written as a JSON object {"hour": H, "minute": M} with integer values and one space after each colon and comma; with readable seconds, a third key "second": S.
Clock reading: {"hour": 2, "minute": 50}
